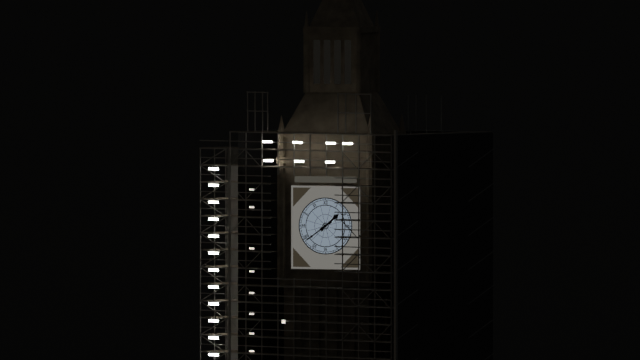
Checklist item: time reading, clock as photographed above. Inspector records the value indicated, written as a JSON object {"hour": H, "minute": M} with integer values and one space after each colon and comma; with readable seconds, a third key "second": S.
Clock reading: {"hour": 1, "minute": 39}
